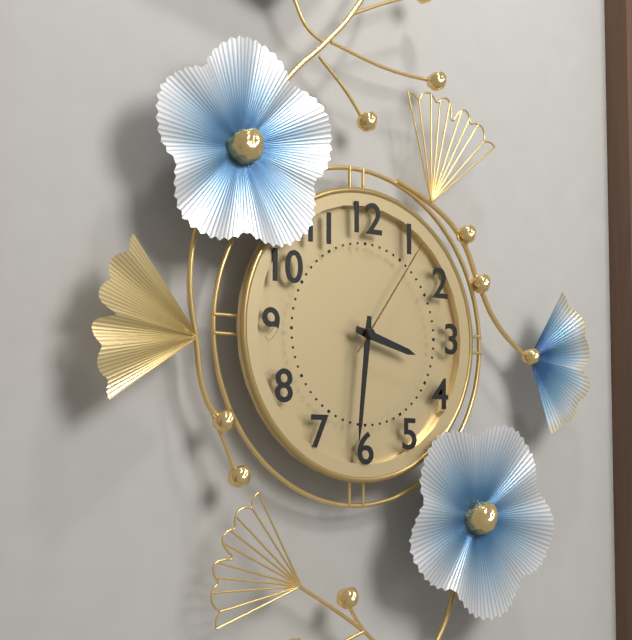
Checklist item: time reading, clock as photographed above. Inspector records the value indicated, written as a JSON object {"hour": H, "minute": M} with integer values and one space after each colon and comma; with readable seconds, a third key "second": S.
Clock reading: {"hour": 3, "minute": 31, "second": 6}
